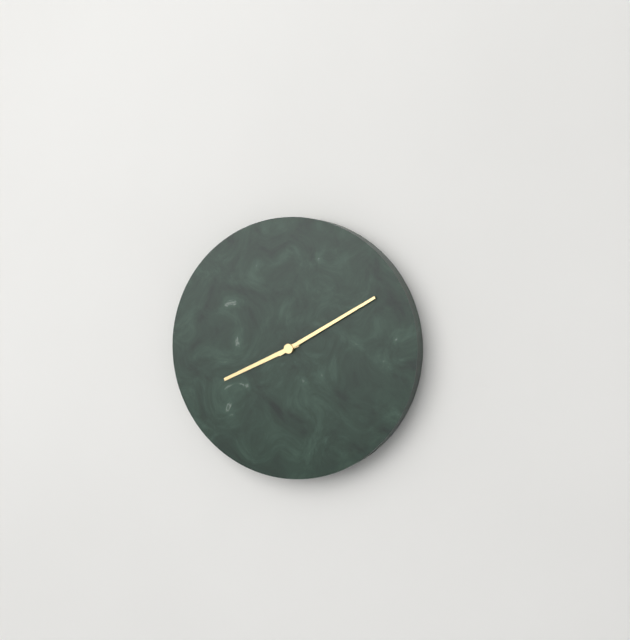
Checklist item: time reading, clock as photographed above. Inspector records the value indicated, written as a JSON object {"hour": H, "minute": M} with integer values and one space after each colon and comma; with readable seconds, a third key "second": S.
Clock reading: {"hour": 8, "minute": 10}
